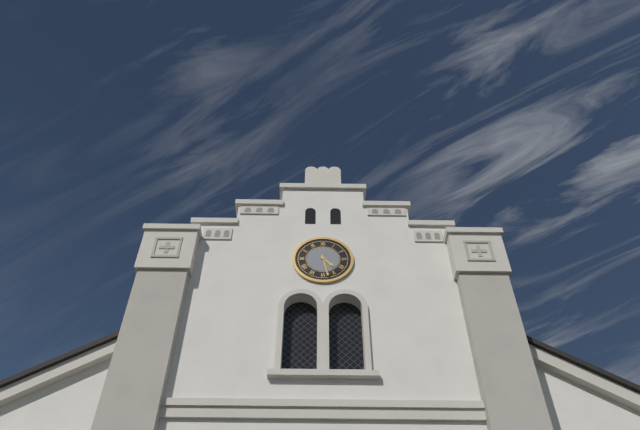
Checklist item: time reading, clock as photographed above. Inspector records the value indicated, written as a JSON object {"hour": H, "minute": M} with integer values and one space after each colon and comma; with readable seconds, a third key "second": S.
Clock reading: {"hour": 4, "minute": 28}
